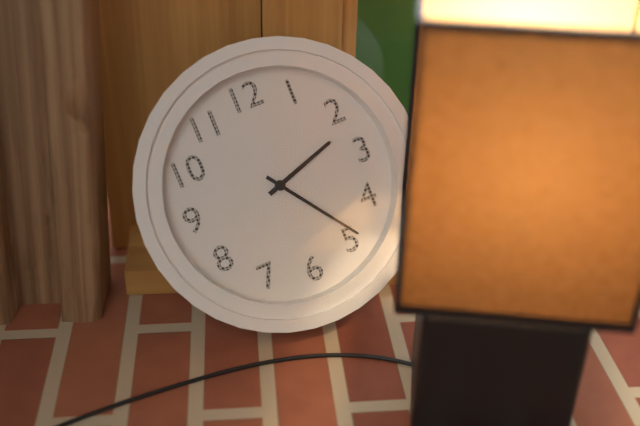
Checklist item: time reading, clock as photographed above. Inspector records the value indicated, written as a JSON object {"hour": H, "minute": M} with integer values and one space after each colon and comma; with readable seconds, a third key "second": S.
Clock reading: {"hour": 2, "minute": 24}
